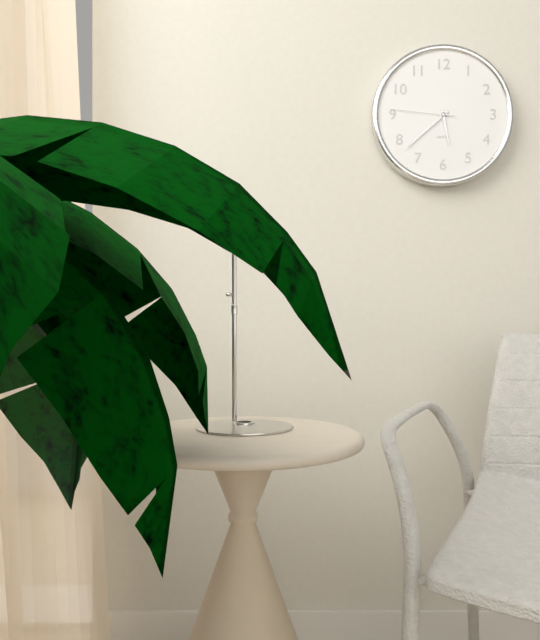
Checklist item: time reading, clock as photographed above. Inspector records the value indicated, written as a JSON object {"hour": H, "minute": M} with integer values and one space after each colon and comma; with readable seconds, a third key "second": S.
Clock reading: {"hour": 5, "minute": 38, "second": 46}
